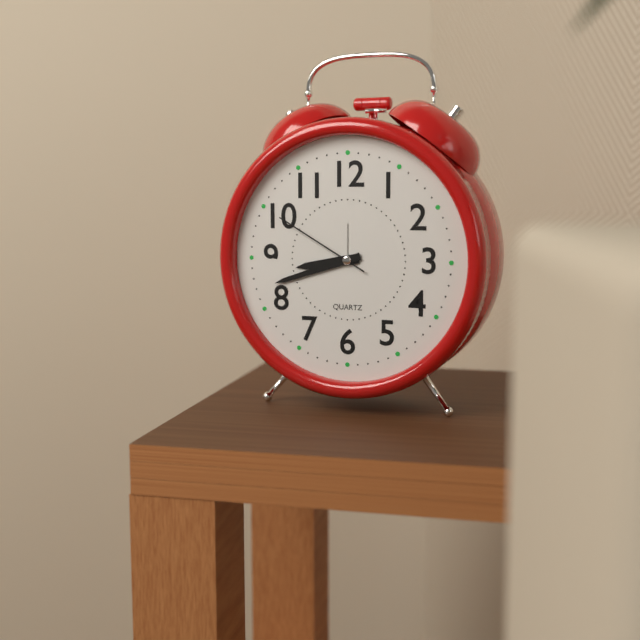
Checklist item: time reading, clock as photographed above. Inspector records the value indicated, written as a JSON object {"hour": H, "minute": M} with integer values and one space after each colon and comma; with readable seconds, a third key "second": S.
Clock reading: {"hour": 8, "minute": 42, "second": 50}
